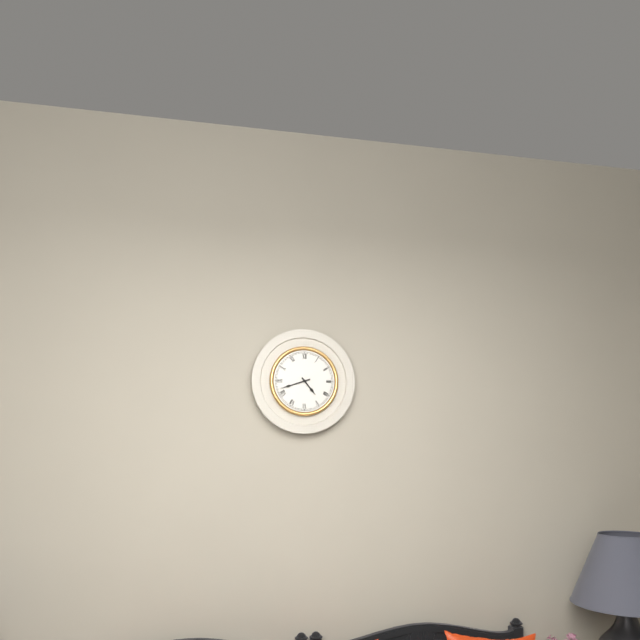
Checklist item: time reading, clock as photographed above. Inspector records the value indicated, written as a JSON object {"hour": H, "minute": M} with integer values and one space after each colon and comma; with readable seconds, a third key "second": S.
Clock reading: {"hour": 4, "minute": 42}
